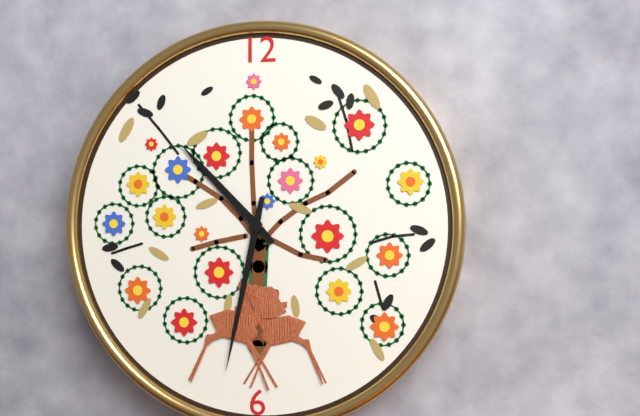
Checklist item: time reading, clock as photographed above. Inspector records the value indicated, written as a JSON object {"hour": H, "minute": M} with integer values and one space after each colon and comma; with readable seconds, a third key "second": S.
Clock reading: {"hour": 10, "minute": 32}
